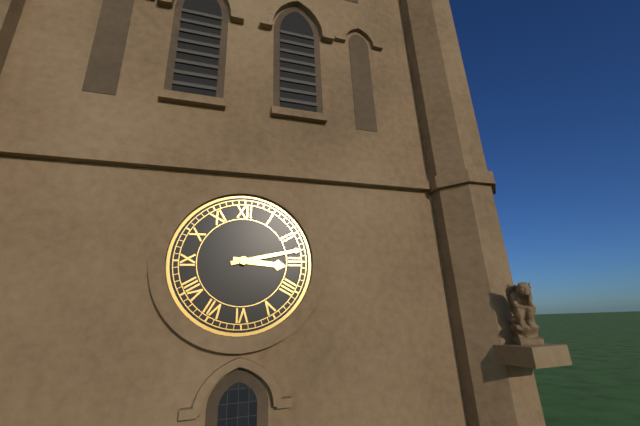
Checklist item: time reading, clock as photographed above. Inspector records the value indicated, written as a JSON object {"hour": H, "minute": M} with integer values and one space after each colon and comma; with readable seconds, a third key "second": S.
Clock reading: {"hour": 3, "minute": 13}
